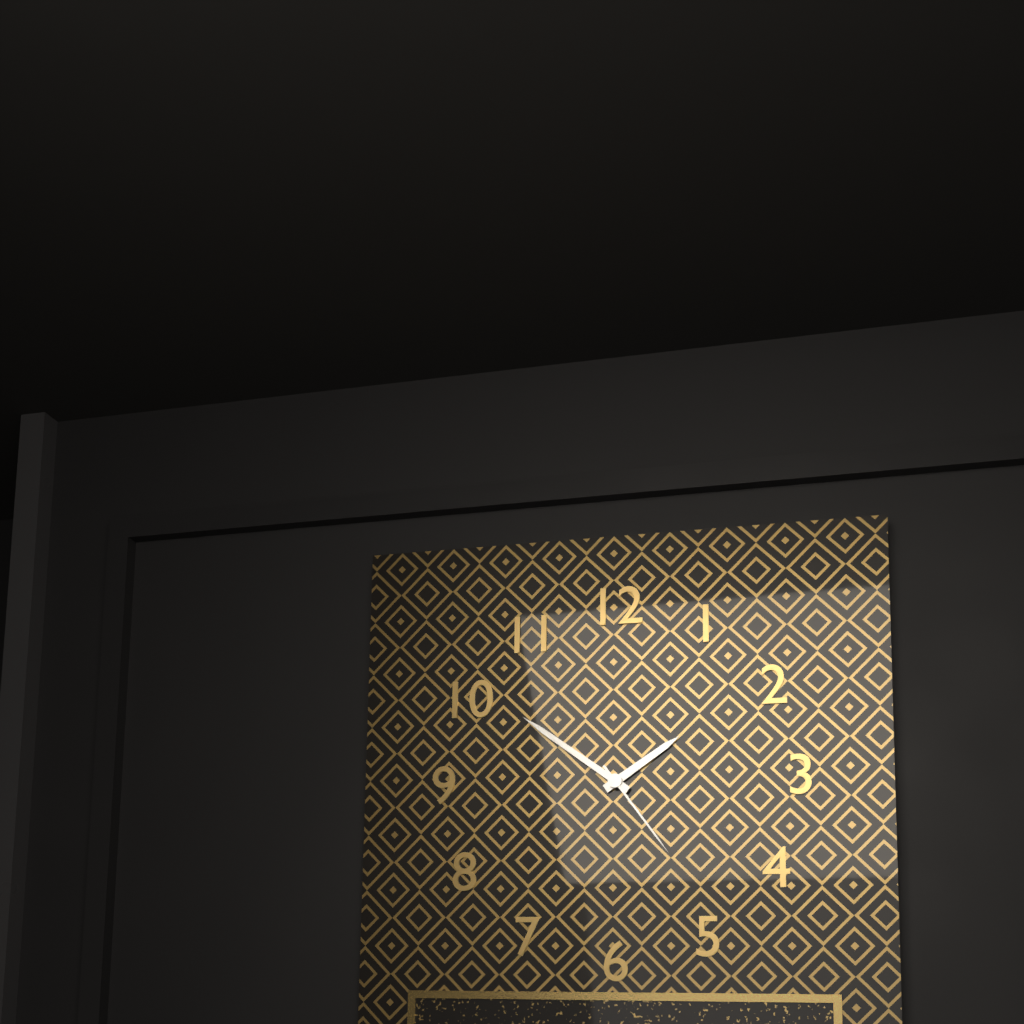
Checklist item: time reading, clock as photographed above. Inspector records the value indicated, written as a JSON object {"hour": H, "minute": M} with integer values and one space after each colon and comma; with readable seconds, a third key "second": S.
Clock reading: {"hour": 1, "minute": 51, "second": 24}
